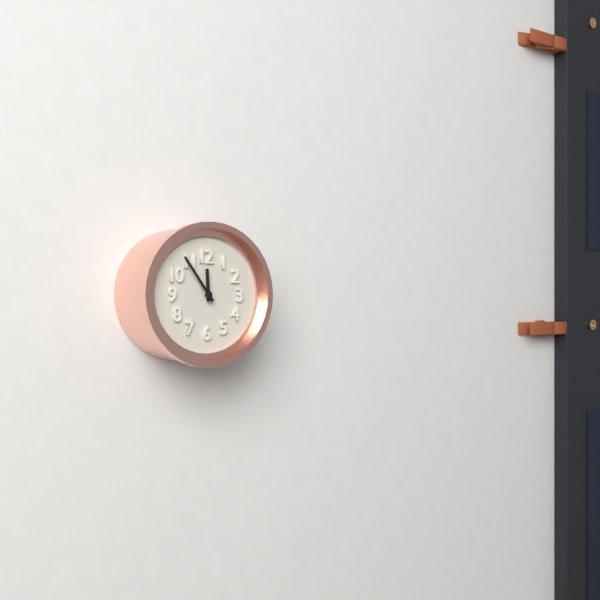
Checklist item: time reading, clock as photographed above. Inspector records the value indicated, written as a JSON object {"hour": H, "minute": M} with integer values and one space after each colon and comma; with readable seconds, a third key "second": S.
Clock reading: {"hour": 11, "minute": 54}
